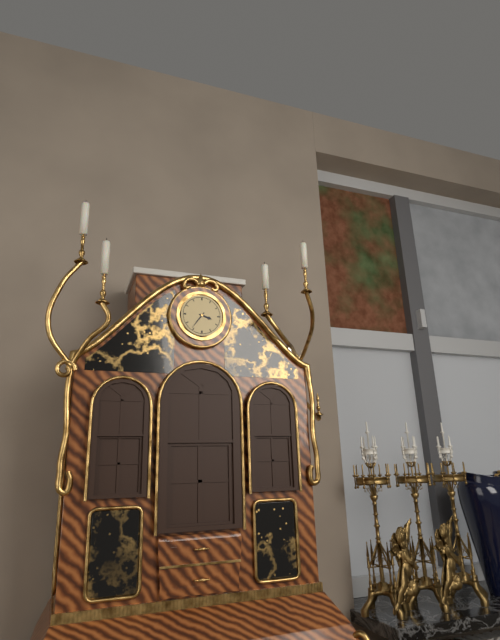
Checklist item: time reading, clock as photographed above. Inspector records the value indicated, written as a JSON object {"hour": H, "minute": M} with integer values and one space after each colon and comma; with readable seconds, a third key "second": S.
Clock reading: {"hour": 3, "minute": 36}
